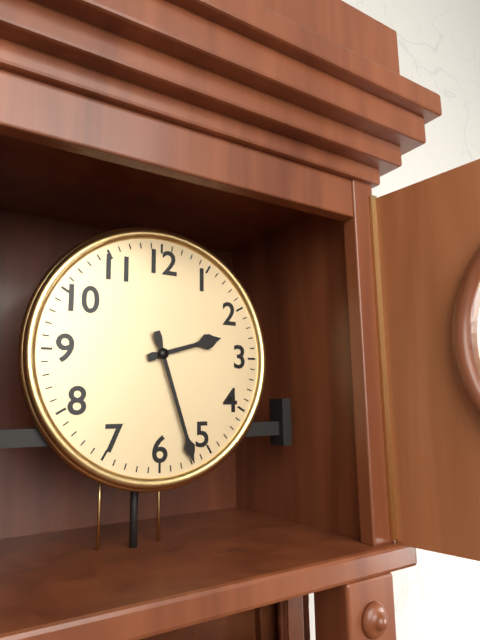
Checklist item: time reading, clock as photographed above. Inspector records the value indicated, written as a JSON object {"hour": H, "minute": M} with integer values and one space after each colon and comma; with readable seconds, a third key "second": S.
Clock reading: {"hour": 2, "minute": 27}
